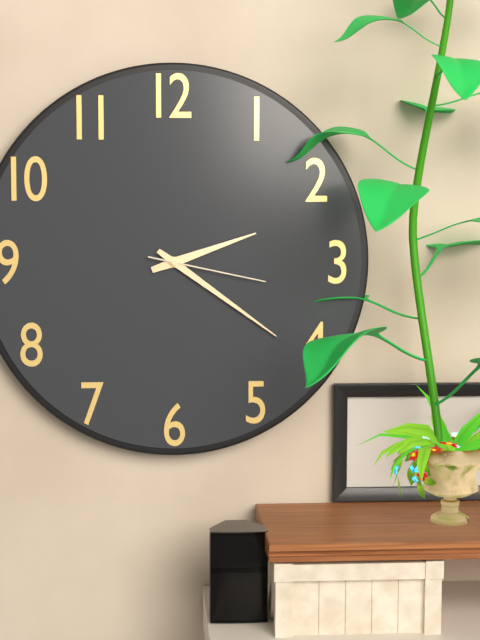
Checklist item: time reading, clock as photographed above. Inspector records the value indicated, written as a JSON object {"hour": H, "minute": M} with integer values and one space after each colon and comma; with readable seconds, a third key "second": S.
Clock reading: {"hour": 2, "minute": 21, "second": 17}
